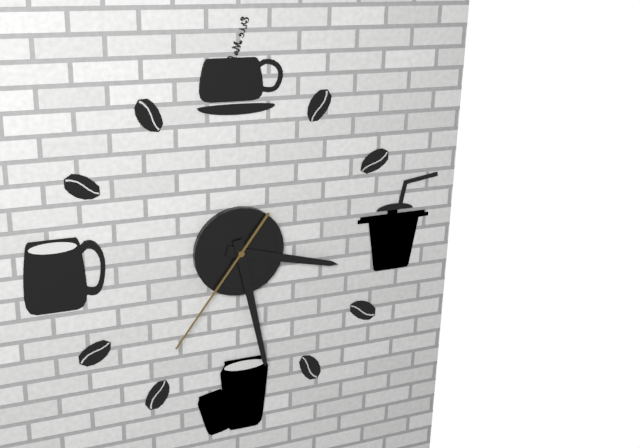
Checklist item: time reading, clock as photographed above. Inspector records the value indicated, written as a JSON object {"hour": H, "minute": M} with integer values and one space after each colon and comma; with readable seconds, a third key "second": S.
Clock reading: {"hour": 3, "minute": 28, "second": 36}
